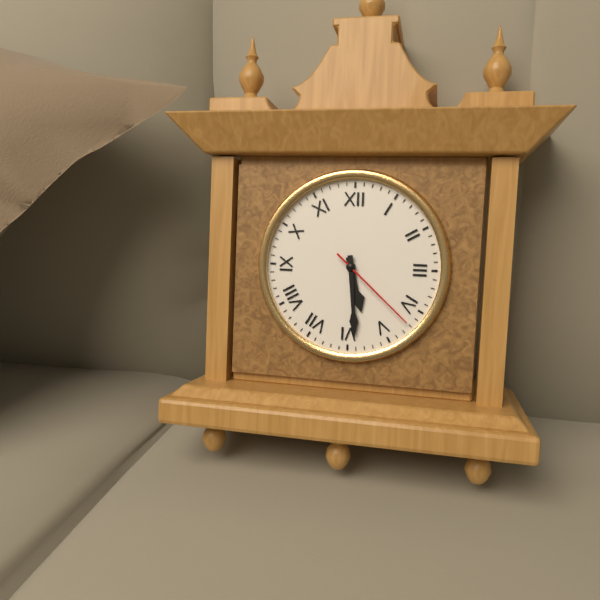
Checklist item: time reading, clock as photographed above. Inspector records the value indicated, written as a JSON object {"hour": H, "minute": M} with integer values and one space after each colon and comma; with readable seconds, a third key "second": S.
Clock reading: {"hour": 5, "minute": 29, "second": 22}
